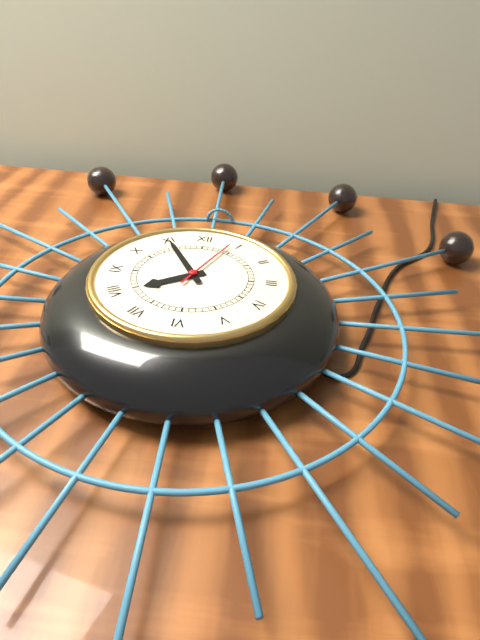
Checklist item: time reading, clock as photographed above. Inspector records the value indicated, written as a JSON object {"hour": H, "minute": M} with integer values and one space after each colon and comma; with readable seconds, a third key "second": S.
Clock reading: {"hour": 7, "minute": 55, "second": 4}
